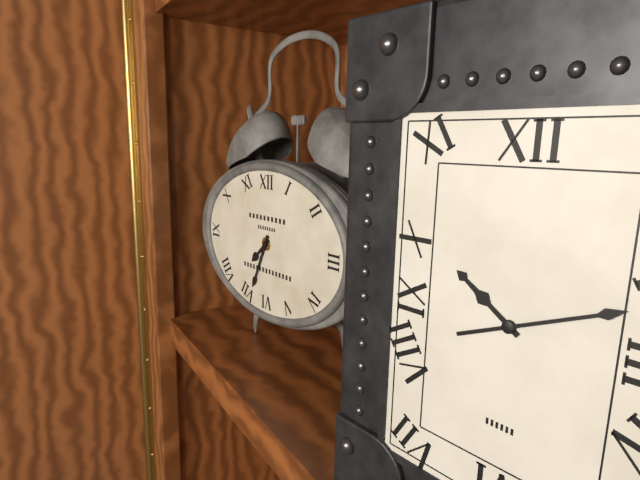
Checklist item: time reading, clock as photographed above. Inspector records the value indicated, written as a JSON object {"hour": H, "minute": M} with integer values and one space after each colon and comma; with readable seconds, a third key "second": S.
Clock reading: {"hour": 7, "minute": 34}
